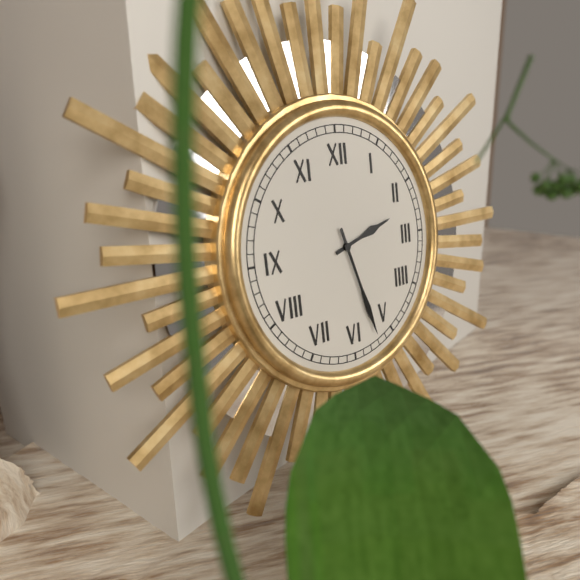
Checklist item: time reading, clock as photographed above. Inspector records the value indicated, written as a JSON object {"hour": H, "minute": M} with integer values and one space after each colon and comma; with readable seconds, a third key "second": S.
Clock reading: {"hour": 2, "minute": 27}
